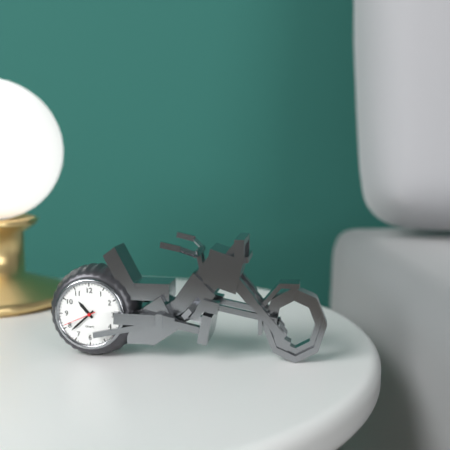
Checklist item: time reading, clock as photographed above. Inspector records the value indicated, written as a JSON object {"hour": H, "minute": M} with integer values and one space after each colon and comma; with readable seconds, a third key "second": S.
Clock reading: {"hour": 10, "minute": 38}
